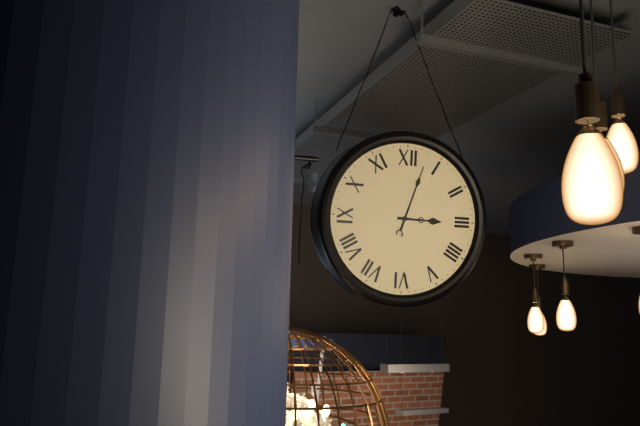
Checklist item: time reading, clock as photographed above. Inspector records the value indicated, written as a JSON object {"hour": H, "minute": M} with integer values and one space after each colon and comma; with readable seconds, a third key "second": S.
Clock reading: {"hour": 3, "minute": 3}
